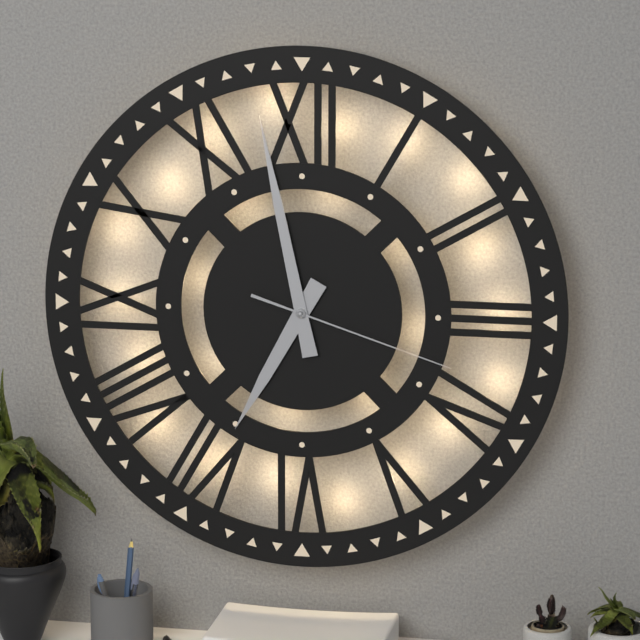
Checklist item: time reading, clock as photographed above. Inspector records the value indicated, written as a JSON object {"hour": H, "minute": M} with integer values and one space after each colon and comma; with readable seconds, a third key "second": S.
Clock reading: {"hour": 6, "minute": 58, "second": 18}
